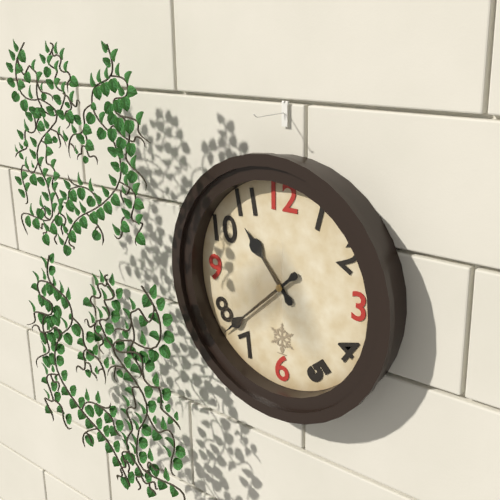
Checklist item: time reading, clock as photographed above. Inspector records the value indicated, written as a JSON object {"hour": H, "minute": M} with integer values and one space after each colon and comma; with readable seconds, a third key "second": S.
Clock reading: {"hour": 10, "minute": 38}
